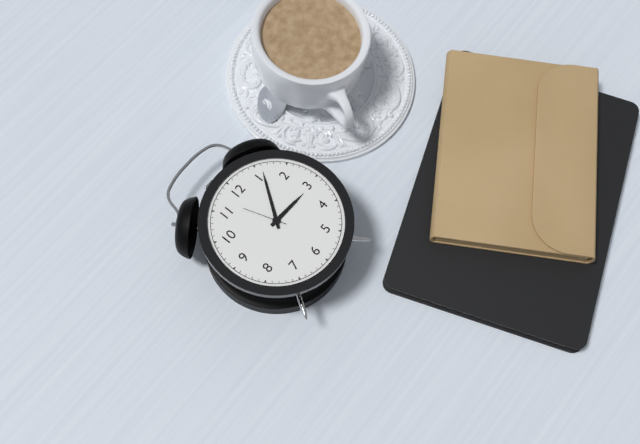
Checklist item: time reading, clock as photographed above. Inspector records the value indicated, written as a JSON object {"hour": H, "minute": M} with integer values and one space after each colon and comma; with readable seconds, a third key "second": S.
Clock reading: {"hour": 3, "minute": 6}
